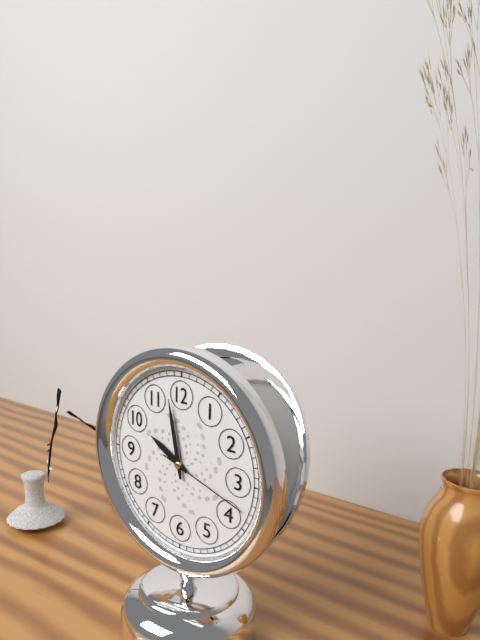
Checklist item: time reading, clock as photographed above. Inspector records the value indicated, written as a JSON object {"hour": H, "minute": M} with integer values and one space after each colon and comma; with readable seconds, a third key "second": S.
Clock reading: {"hour": 9, "minute": 58, "second": 18}
